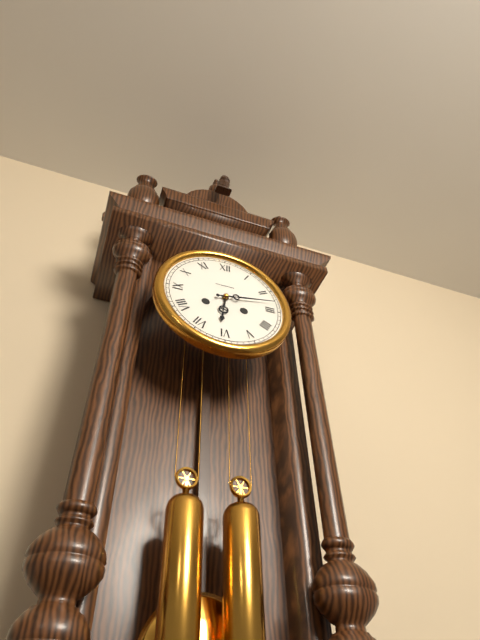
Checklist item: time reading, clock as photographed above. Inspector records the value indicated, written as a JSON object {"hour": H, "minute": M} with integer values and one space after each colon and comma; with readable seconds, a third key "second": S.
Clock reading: {"hour": 6, "minute": 13}
